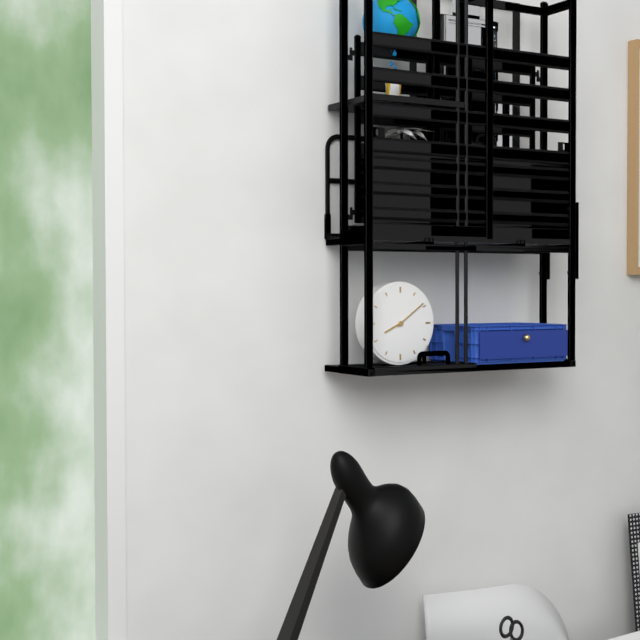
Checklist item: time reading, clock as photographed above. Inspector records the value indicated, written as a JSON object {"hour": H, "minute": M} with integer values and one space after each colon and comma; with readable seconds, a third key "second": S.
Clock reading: {"hour": 8, "minute": 9}
